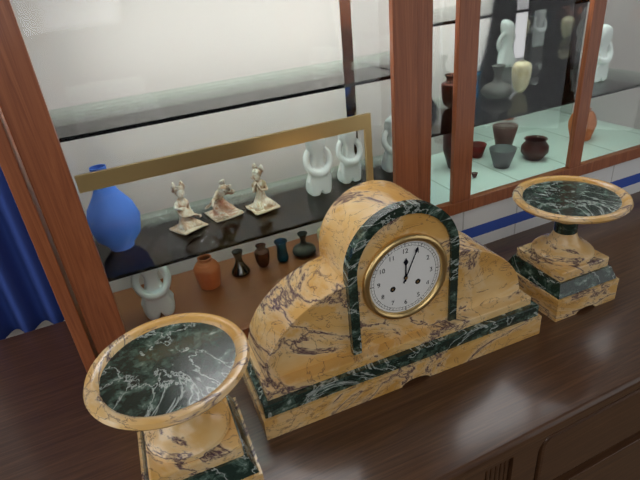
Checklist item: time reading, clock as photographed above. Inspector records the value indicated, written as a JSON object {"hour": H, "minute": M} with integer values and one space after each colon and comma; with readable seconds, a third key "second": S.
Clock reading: {"hour": 12, "minute": 4}
